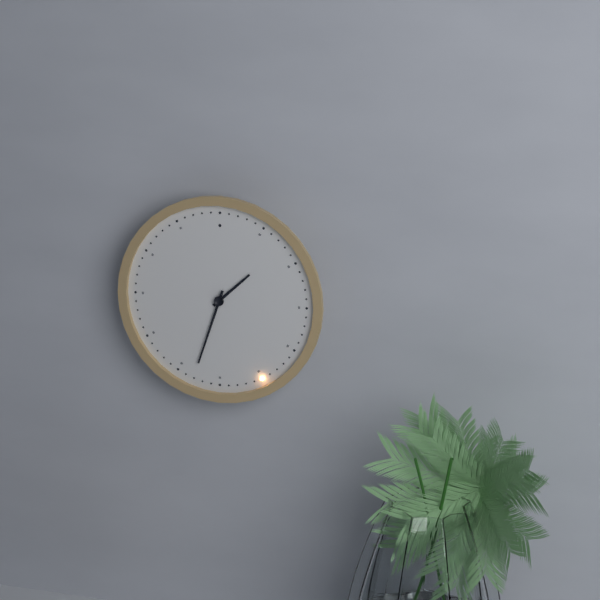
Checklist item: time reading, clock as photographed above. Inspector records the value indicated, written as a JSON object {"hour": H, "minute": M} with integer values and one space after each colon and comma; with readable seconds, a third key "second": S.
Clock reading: {"hour": 1, "minute": 33}
